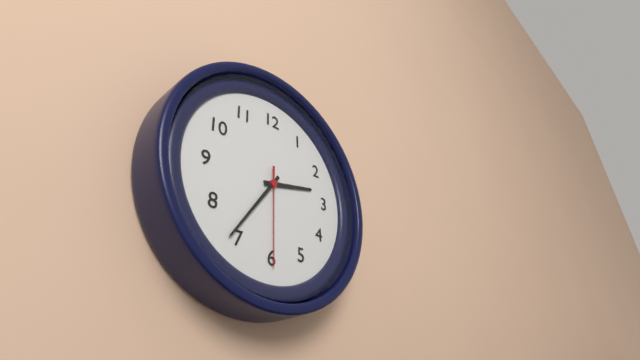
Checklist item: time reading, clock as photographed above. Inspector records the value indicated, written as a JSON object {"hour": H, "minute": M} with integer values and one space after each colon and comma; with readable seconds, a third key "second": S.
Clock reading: {"hour": 2, "minute": 36, "second": 30}
